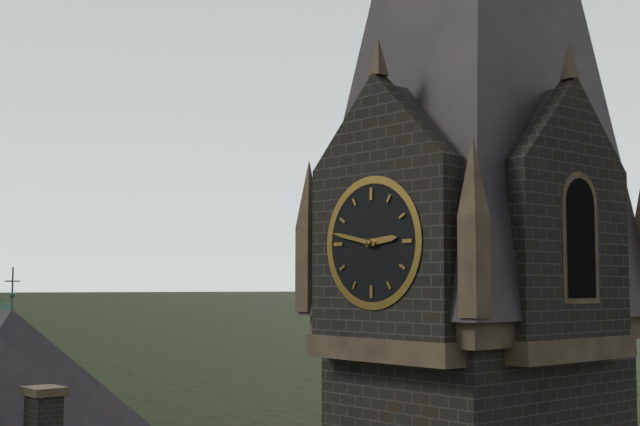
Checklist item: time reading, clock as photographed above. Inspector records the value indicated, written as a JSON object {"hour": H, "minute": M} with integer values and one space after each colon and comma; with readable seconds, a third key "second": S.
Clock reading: {"hour": 2, "minute": 47}
